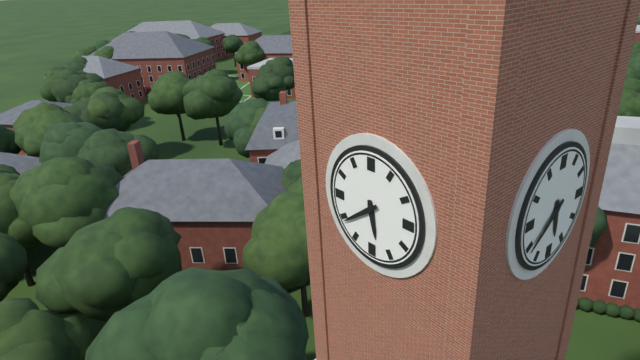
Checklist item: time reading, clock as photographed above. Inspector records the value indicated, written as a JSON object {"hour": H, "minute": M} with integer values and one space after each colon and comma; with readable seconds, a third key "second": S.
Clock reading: {"hour": 5, "minute": 39}
